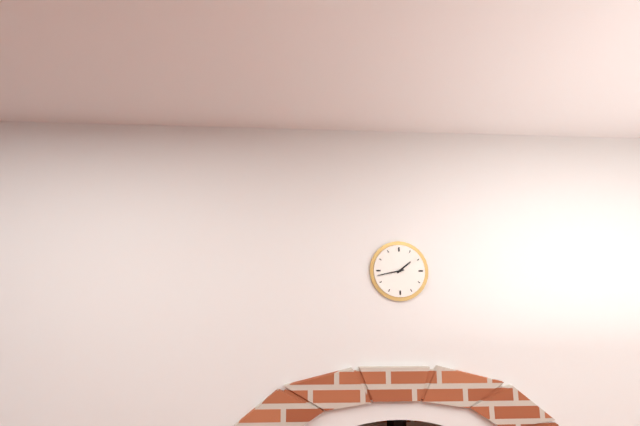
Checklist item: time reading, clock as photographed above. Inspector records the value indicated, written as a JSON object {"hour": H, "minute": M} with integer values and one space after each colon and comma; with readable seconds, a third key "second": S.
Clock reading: {"hour": 1, "minute": 43}
